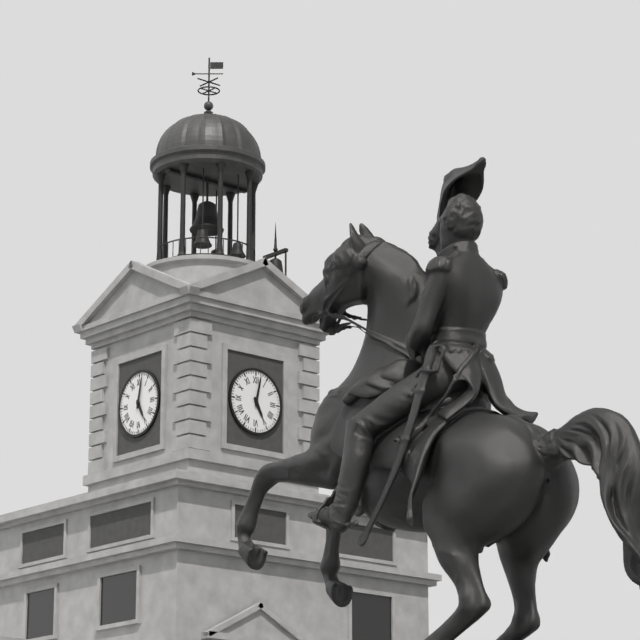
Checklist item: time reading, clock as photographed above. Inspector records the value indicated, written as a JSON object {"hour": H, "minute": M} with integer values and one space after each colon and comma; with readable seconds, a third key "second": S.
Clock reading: {"hour": 5, "minute": 2}
